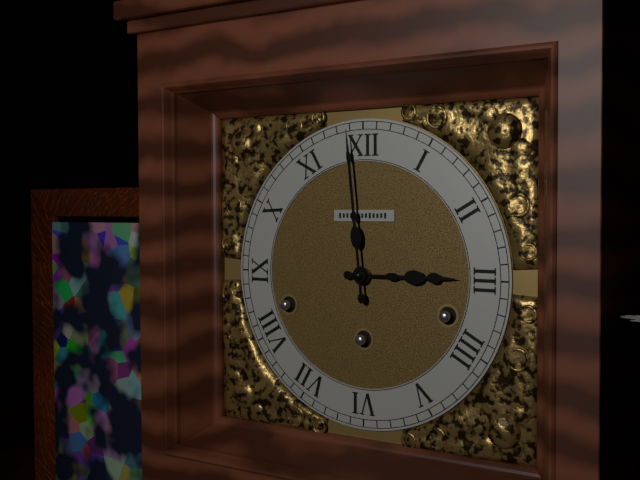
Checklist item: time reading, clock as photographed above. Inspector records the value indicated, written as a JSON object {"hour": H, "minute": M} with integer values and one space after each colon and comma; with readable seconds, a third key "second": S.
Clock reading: {"hour": 2, "minute": 59}
